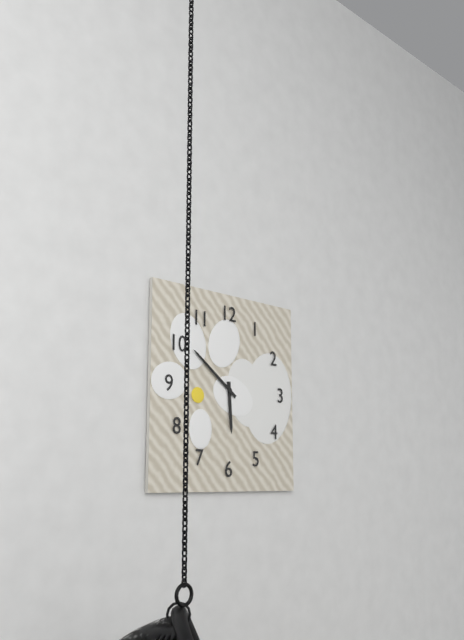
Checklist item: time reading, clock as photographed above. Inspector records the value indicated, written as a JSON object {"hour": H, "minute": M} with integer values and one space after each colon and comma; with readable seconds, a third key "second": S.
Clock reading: {"hour": 5, "minute": 51}
